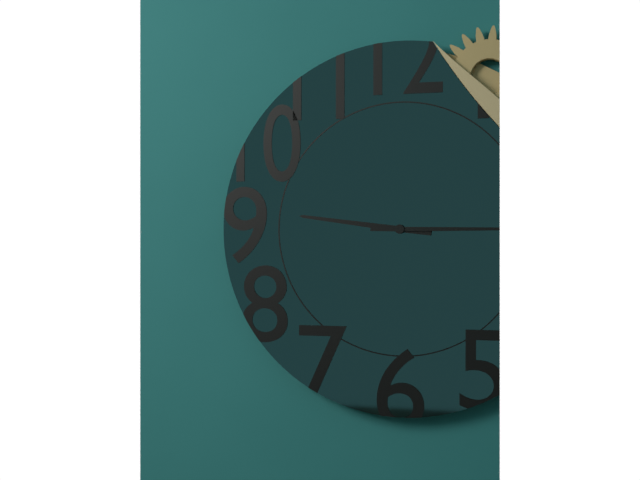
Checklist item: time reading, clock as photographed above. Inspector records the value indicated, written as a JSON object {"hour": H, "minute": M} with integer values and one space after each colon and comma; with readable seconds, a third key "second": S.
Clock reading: {"hour": 9, "minute": 15}
